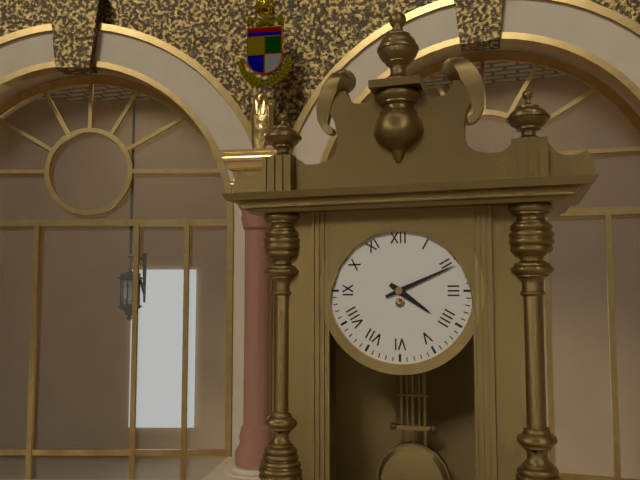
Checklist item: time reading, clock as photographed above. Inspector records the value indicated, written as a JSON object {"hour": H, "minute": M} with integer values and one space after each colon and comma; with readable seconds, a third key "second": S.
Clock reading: {"hour": 4, "minute": 11}
